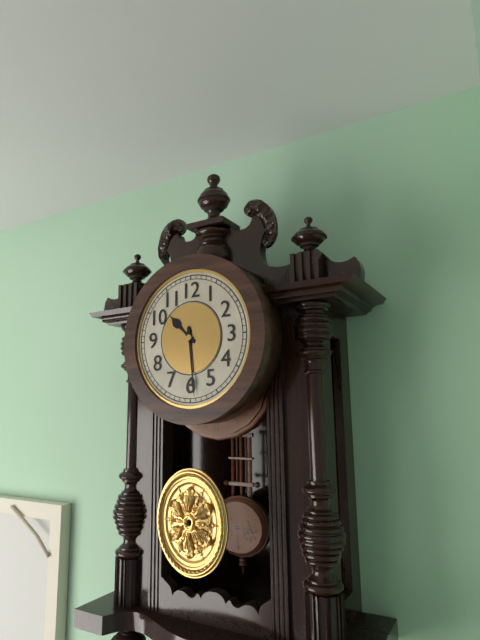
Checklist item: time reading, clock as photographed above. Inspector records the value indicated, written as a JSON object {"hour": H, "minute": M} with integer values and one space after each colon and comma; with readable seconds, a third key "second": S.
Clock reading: {"hour": 10, "minute": 29}
